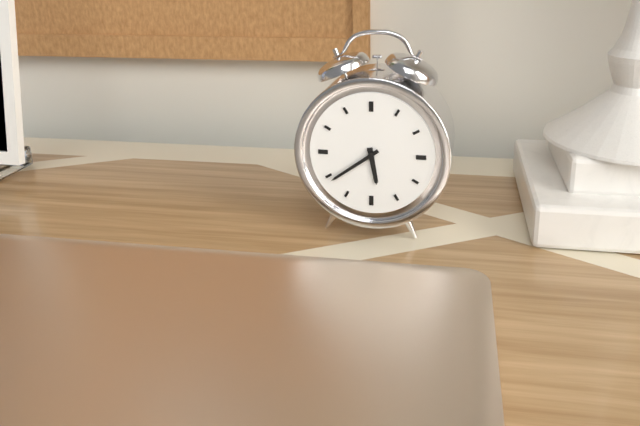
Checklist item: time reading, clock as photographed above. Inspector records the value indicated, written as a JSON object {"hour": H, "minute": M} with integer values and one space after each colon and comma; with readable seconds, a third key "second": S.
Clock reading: {"hour": 5, "minute": 39}
